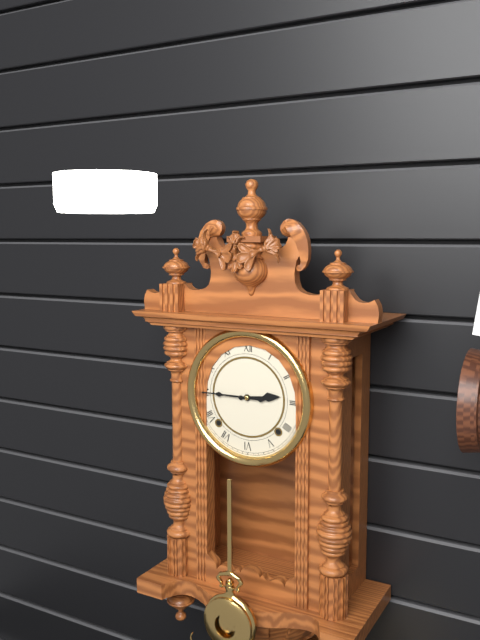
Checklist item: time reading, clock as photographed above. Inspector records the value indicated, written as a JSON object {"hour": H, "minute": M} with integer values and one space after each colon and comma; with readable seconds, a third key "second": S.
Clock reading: {"hour": 2, "minute": 45}
